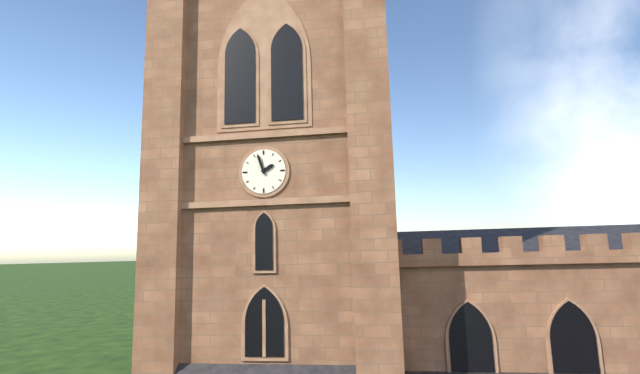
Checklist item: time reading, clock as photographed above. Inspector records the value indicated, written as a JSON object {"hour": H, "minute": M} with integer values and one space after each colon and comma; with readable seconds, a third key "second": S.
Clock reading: {"hour": 1, "minute": 57}
